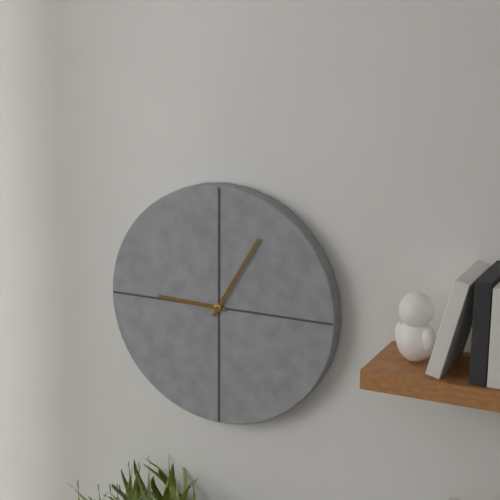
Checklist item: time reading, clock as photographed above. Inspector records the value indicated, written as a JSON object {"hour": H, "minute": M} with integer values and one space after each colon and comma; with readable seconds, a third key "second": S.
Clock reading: {"hour": 9, "minute": 5}
